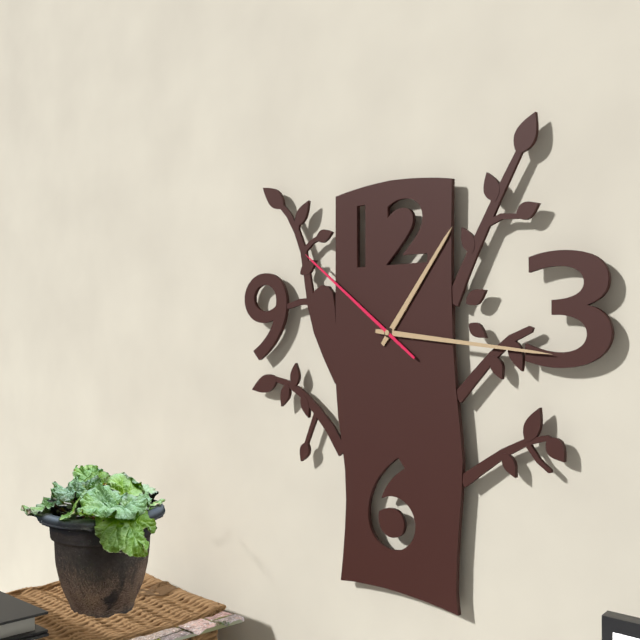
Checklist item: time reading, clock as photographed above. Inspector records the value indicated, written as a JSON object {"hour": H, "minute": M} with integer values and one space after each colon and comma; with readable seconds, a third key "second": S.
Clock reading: {"hour": 1, "minute": 16, "second": 51}
